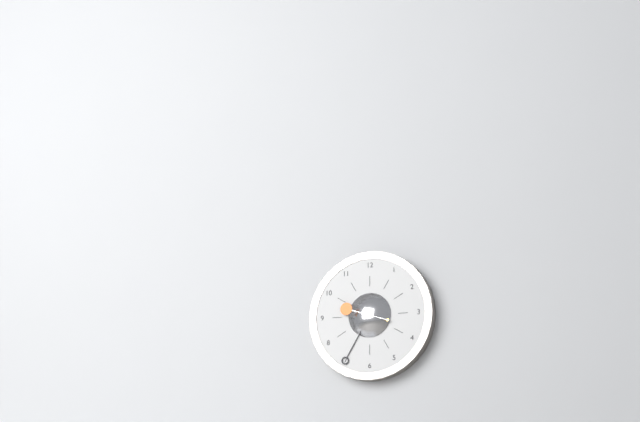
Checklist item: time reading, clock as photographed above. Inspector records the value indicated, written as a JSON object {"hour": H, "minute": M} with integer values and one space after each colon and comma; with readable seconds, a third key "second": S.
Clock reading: {"hour": 9, "minute": 35}
